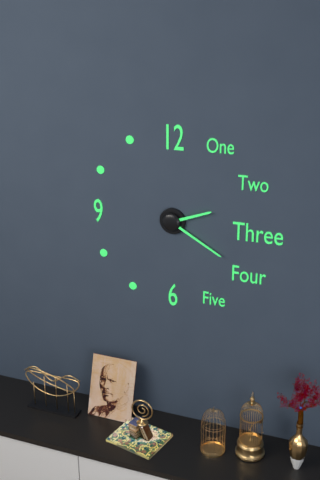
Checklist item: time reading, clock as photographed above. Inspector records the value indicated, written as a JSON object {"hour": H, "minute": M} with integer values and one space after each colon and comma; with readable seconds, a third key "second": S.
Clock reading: {"hour": 2, "minute": 20}
